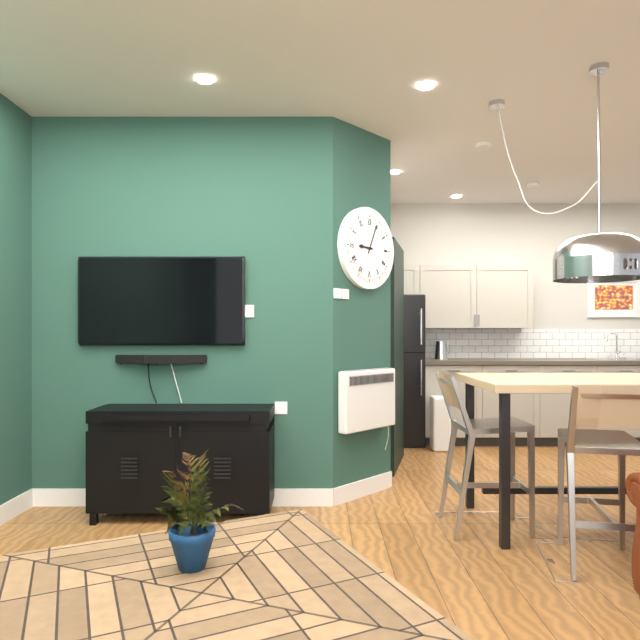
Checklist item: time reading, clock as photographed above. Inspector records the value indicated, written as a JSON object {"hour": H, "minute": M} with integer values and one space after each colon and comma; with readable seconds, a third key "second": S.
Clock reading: {"hour": 9, "minute": 4}
